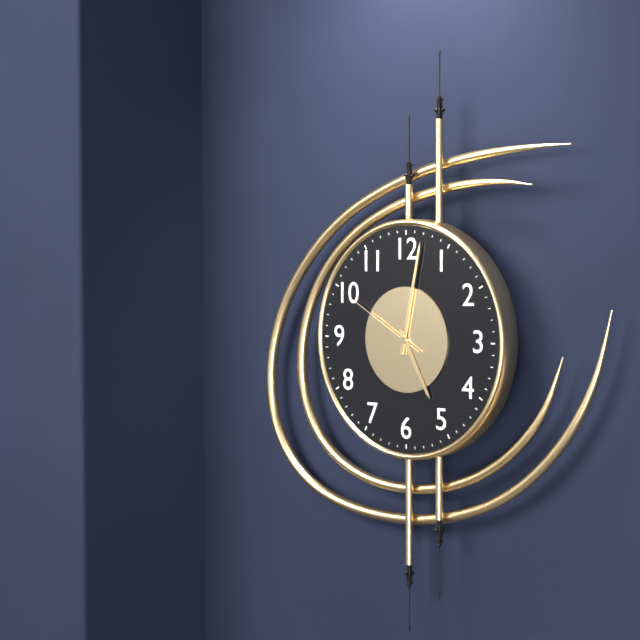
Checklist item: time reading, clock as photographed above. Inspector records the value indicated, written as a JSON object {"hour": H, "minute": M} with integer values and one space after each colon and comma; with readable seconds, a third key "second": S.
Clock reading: {"hour": 5, "minute": 2, "second": 50}
